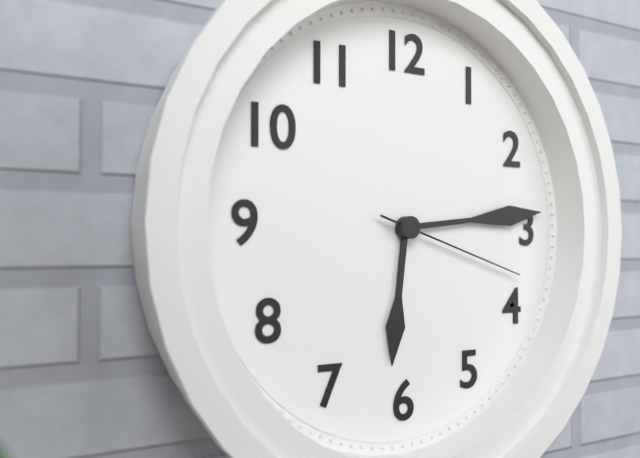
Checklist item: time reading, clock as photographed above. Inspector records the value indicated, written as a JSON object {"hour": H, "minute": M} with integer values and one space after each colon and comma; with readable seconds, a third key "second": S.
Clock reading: {"hour": 6, "minute": 14, "second": 18}
